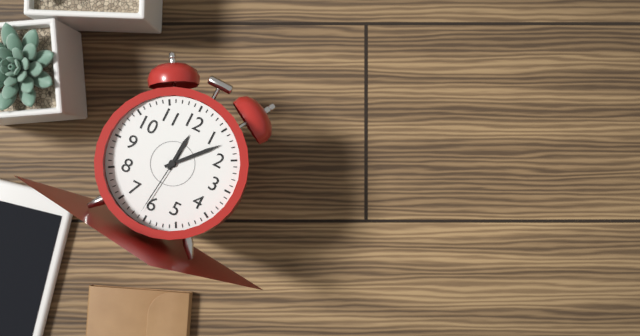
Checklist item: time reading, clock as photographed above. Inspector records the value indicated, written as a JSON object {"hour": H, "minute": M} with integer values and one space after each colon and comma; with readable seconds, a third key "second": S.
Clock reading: {"hour": 12, "minute": 7, "second": 31}
